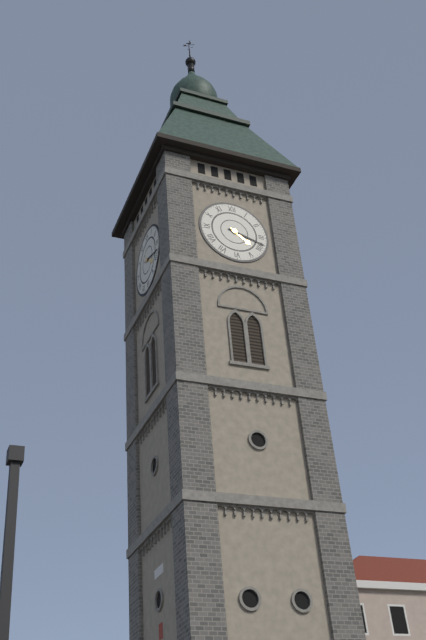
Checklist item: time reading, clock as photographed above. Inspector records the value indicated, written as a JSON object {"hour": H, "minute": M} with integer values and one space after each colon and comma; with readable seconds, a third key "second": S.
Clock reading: {"hour": 4, "minute": 18}
